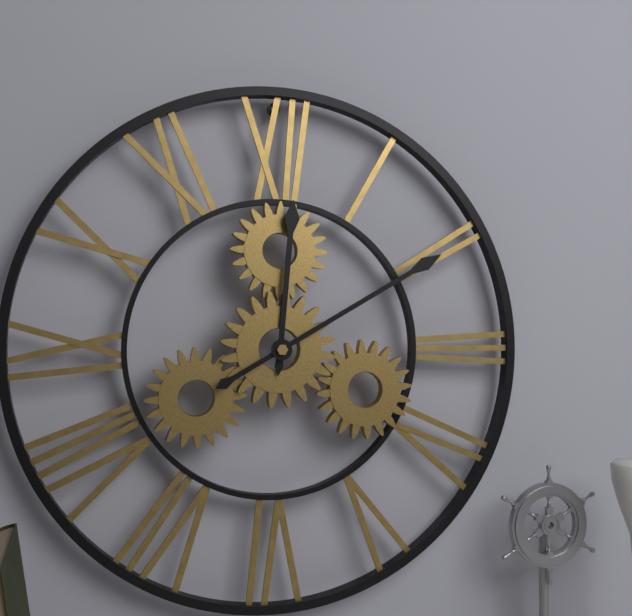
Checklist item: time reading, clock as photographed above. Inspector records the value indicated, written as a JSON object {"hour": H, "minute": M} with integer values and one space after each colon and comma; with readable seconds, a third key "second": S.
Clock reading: {"hour": 12, "minute": 10}
